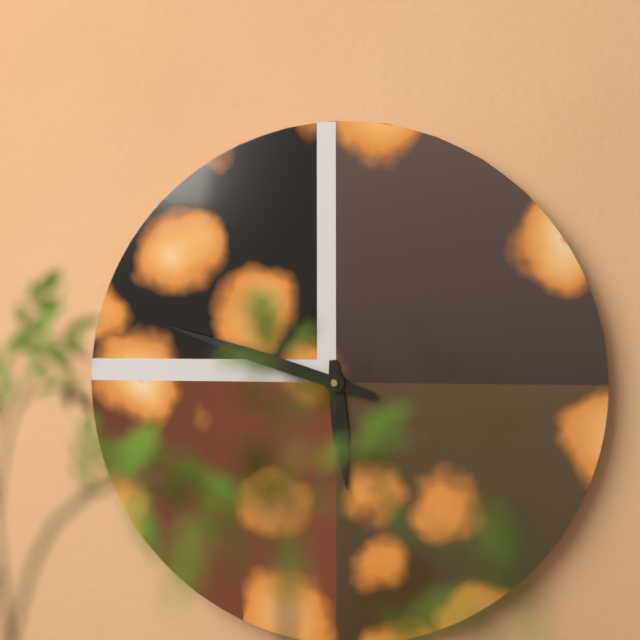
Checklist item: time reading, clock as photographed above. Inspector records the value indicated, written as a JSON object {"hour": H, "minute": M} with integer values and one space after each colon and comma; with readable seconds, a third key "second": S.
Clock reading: {"hour": 5, "minute": 48}
